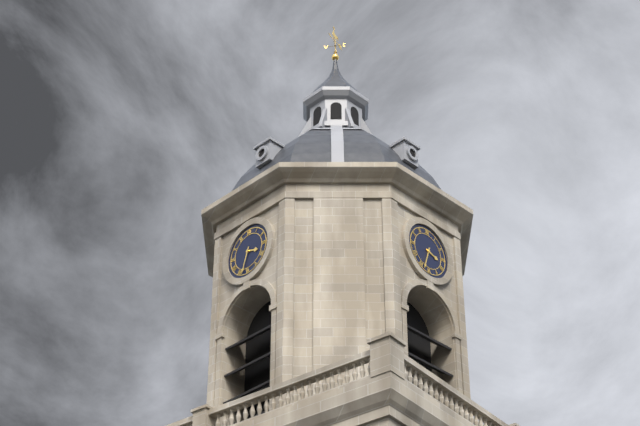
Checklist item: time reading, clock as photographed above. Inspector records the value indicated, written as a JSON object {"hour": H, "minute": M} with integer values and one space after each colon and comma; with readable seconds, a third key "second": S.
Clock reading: {"hour": 3, "minute": 33}
